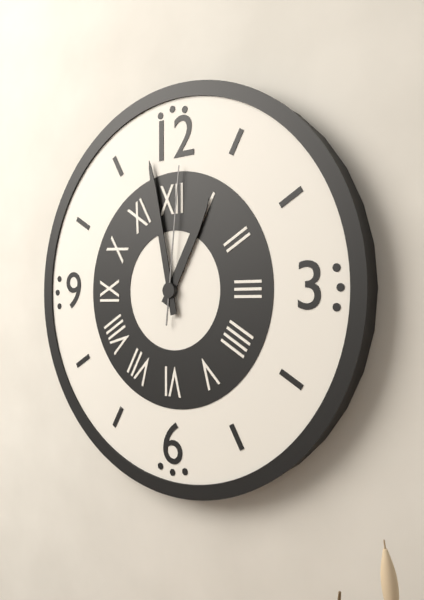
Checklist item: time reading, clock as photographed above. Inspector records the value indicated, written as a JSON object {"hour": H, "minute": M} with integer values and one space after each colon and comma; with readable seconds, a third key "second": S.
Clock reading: {"hour": 12, "minute": 58, "second": 1}
